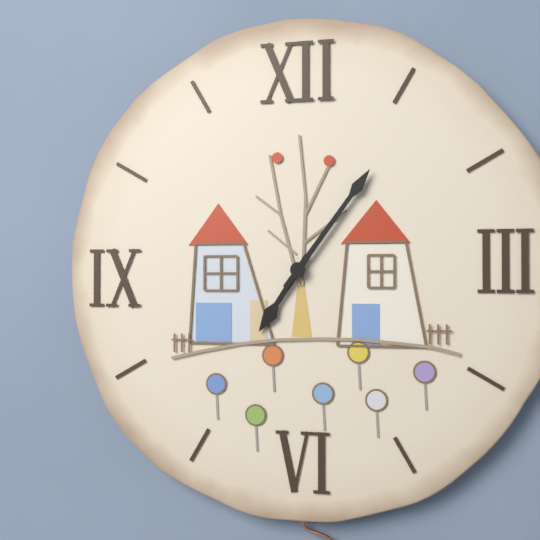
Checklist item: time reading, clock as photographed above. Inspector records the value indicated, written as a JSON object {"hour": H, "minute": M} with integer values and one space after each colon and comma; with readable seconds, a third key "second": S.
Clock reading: {"hour": 7, "minute": 6}
